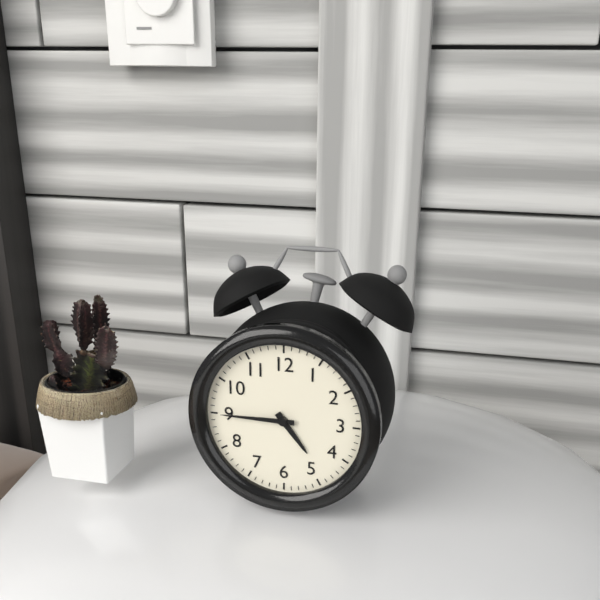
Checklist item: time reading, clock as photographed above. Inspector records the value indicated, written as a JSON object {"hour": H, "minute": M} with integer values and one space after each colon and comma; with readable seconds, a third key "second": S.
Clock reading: {"hour": 4, "minute": 45}
